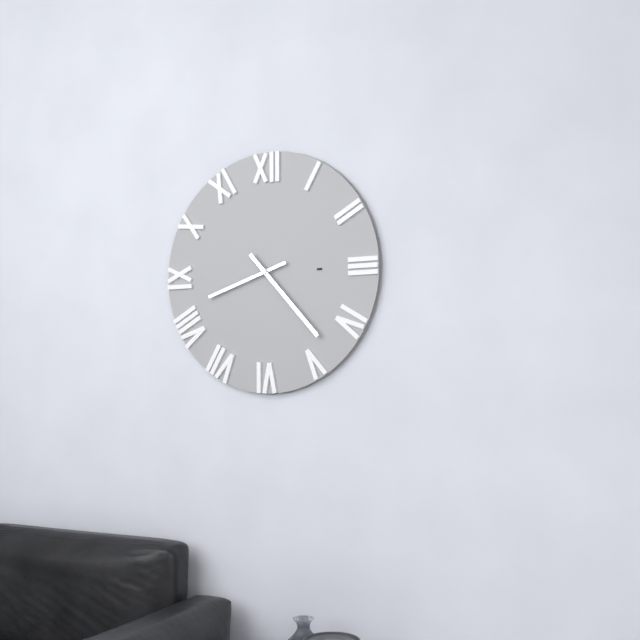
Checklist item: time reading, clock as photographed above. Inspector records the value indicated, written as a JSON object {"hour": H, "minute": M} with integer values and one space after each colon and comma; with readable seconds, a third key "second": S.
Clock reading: {"hour": 8, "minute": 23}
